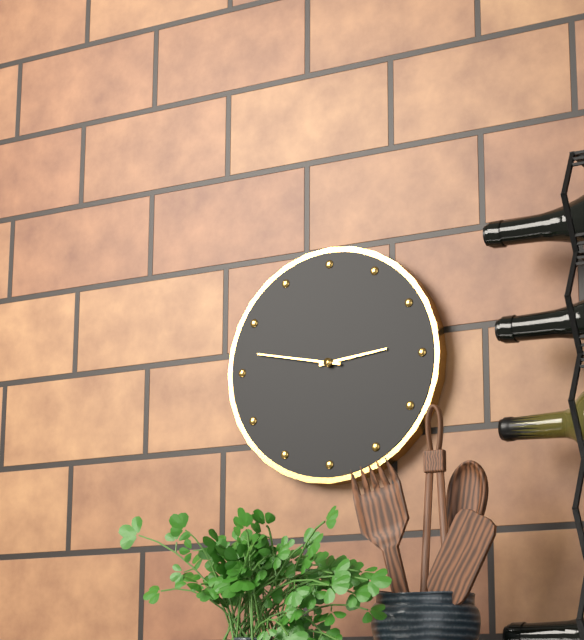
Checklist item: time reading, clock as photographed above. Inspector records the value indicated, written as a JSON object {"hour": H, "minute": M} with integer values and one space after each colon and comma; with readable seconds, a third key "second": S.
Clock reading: {"hour": 2, "minute": 47}
